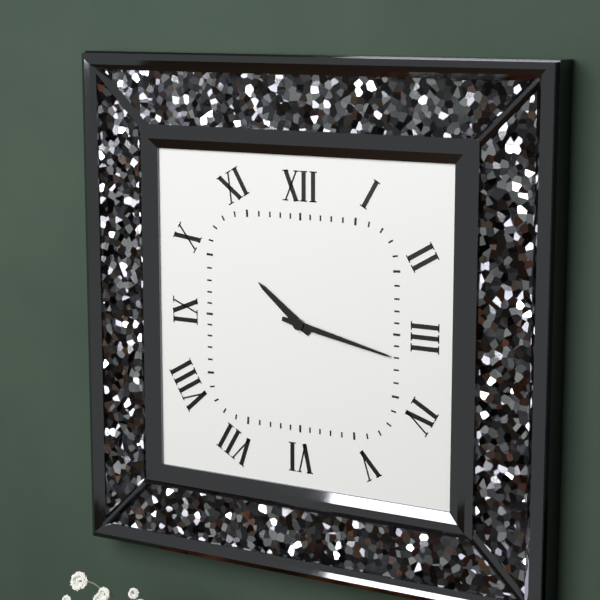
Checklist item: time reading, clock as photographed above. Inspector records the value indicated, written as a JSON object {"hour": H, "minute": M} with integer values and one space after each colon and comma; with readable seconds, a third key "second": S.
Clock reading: {"hour": 10, "minute": 17}
